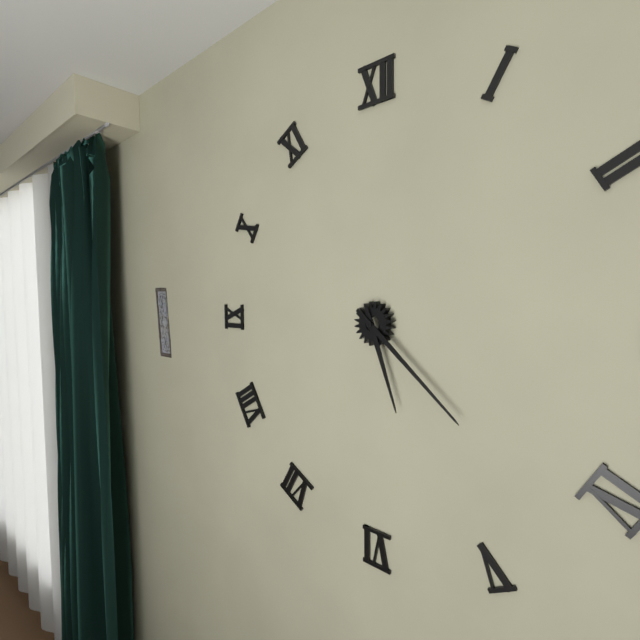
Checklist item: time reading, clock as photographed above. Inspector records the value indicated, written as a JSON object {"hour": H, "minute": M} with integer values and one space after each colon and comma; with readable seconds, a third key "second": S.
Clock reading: {"hour": 5, "minute": 22}
